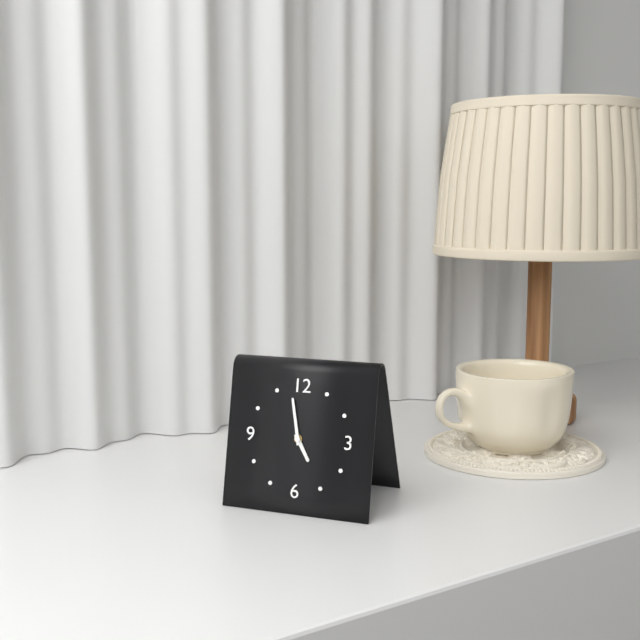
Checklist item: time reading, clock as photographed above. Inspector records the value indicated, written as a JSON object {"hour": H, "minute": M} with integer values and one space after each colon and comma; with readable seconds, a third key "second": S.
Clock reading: {"hour": 4, "minute": 58}
